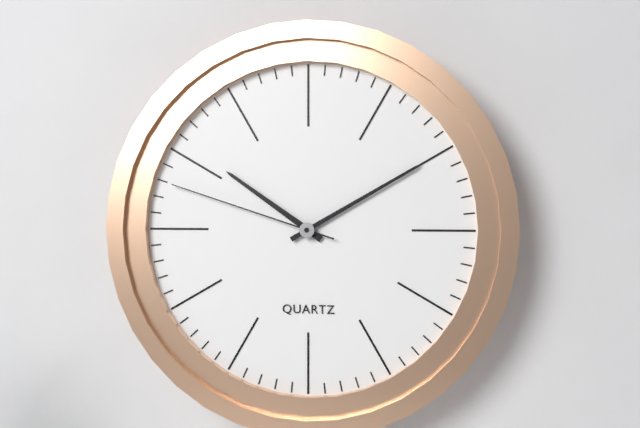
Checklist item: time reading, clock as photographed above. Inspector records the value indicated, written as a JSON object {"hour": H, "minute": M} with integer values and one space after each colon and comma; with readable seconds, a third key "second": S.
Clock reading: {"hour": 10, "minute": 10, "second": 48}
